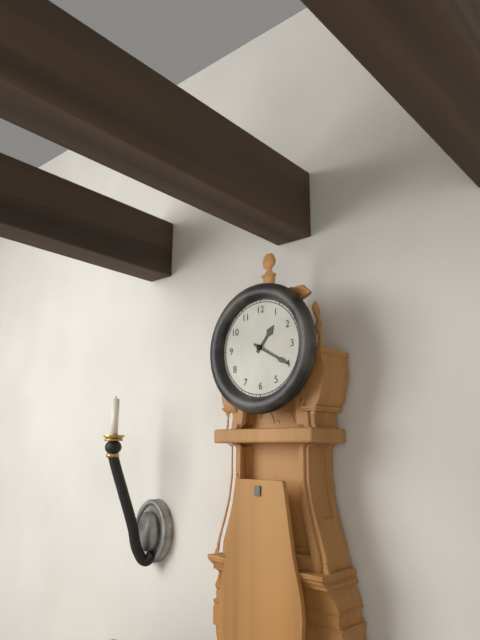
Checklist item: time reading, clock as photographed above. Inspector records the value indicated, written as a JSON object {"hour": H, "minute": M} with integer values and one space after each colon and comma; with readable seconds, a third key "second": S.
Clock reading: {"hour": 1, "minute": 20}
